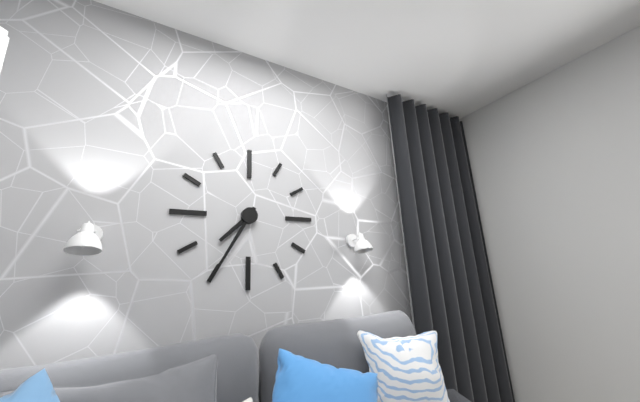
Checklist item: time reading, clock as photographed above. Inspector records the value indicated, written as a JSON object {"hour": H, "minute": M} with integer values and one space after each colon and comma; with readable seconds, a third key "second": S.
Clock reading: {"hour": 7, "minute": 35}
